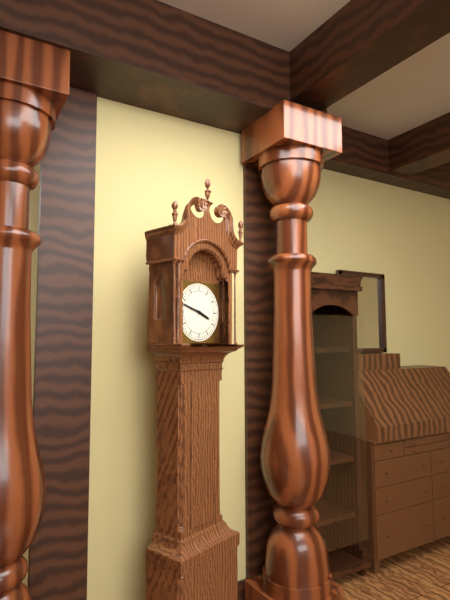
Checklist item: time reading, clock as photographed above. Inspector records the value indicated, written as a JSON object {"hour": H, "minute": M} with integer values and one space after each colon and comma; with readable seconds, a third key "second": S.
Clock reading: {"hour": 3, "minute": 48}
